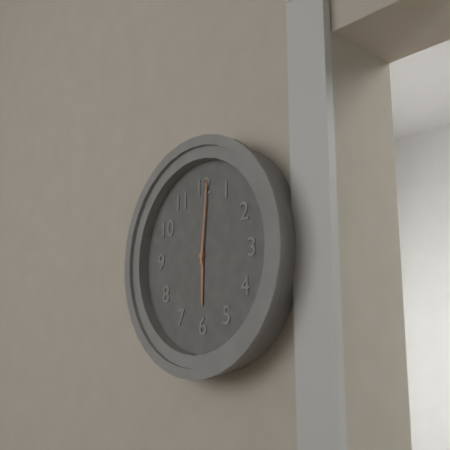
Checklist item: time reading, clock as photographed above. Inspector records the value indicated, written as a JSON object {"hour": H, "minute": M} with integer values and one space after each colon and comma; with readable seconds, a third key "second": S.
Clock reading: {"hour": 6, "minute": 1}
